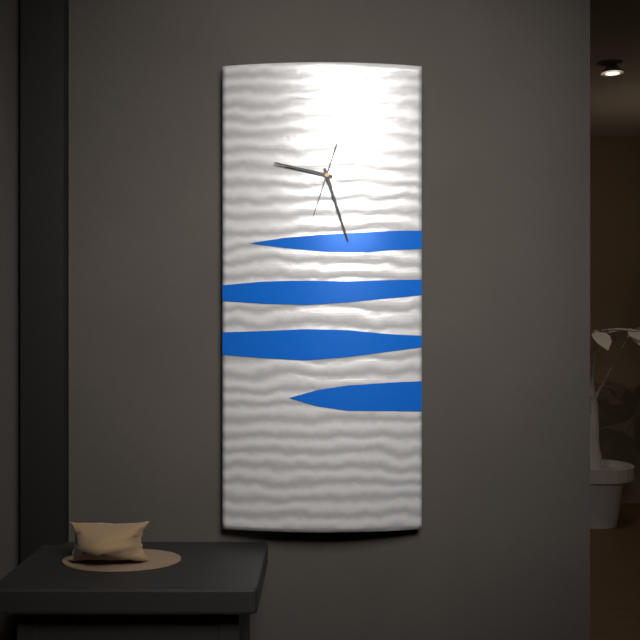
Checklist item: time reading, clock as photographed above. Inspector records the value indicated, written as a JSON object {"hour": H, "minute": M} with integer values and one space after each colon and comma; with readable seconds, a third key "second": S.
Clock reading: {"hour": 9, "minute": 27}
